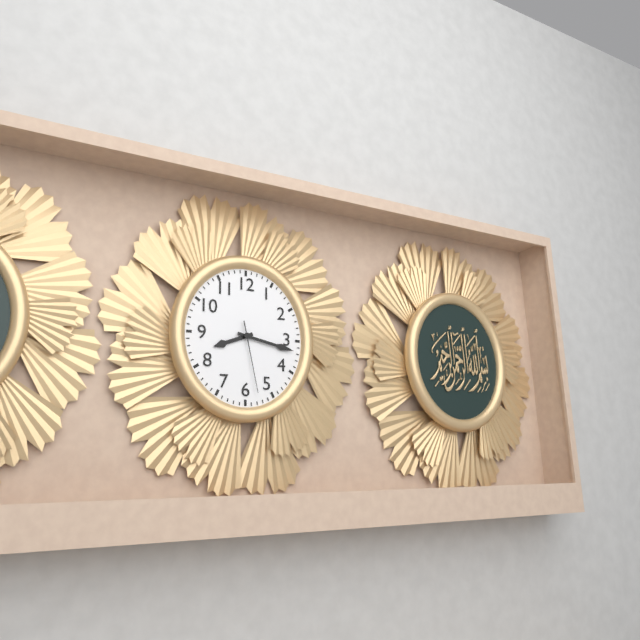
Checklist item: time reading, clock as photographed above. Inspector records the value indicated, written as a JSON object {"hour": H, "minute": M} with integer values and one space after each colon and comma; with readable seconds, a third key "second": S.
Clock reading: {"hour": 8, "minute": 17, "second": 28}
